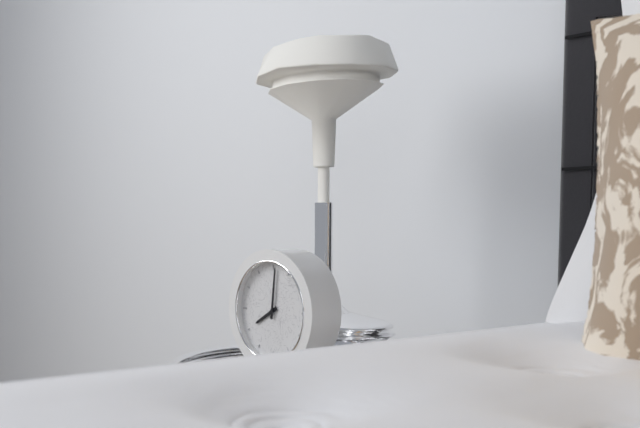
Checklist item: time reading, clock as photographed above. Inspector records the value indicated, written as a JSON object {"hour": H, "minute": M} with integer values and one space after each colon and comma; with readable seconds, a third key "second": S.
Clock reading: {"hour": 8, "minute": 1}
